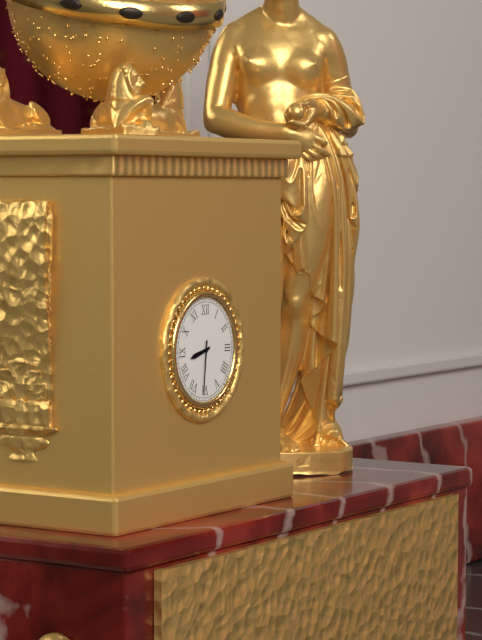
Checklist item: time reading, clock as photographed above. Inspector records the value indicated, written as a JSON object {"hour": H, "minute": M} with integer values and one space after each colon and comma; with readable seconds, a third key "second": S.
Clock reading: {"hour": 8, "minute": 31}
